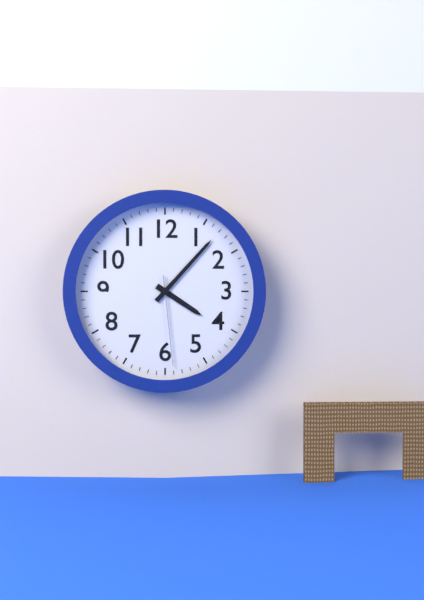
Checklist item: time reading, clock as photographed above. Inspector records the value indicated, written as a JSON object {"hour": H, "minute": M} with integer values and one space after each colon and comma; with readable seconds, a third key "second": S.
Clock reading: {"hour": 4, "minute": 7, "second": 29}
